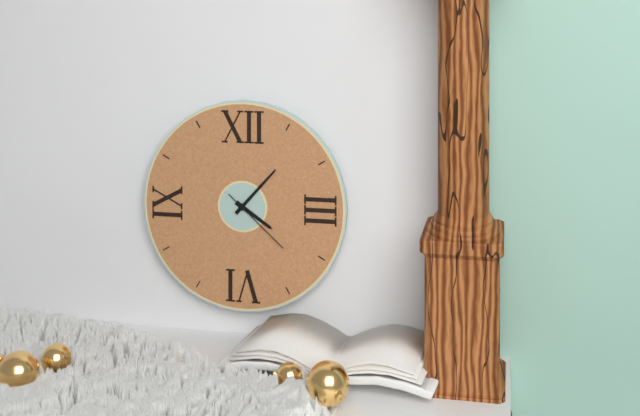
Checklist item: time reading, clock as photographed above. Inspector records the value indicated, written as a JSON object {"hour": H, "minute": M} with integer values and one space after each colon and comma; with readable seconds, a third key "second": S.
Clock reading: {"hour": 4, "minute": 7, "second": 22}
